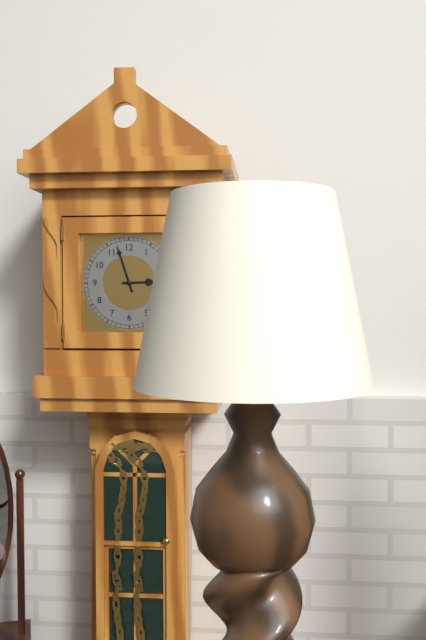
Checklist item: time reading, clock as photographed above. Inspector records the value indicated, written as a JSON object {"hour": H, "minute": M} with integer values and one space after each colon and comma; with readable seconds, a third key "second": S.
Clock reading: {"hour": 2, "minute": 57}
